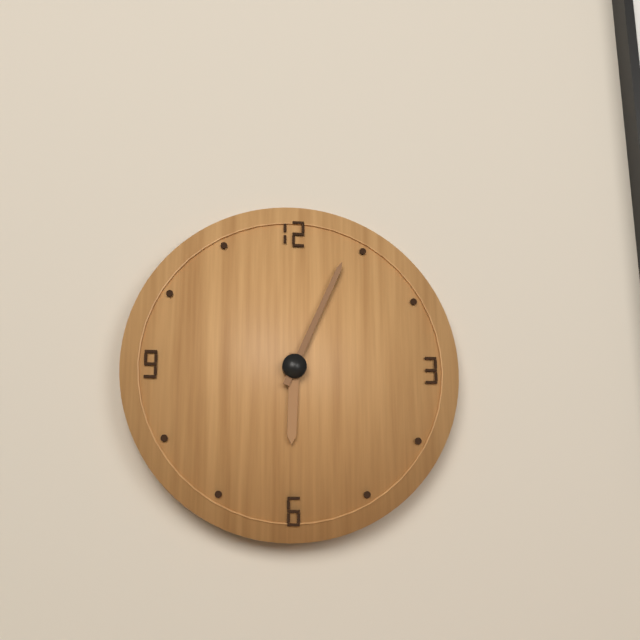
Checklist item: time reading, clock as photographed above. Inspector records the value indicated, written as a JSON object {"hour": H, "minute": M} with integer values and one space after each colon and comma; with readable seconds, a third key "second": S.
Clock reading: {"hour": 6, "minute": 4}
